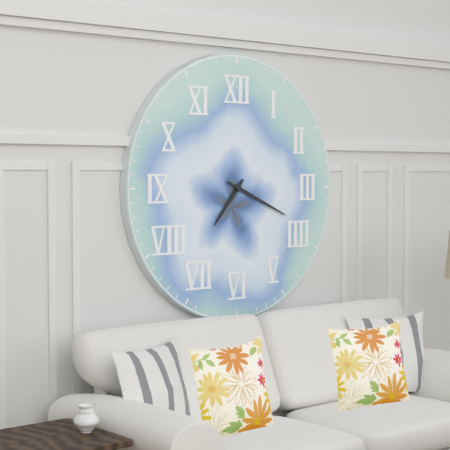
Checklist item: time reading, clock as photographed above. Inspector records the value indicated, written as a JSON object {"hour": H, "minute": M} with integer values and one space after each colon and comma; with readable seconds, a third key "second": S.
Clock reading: {"hour": 7, "minute": 19}
